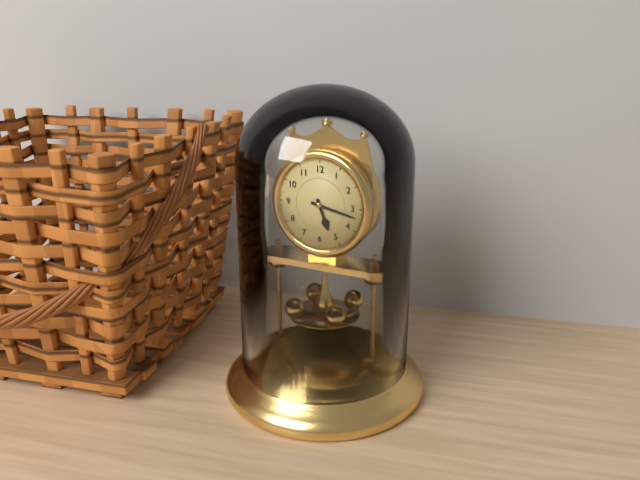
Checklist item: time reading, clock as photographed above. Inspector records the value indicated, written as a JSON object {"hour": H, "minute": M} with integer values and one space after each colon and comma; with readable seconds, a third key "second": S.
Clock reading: {"hour": 5, "minute": 17}
